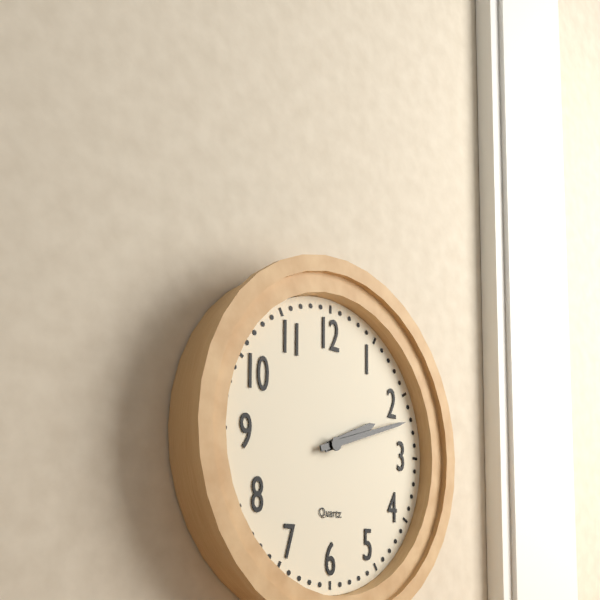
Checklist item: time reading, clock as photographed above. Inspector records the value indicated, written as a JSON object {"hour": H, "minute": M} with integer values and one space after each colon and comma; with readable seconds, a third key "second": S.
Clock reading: {"hour": 2, "minute": 12}
